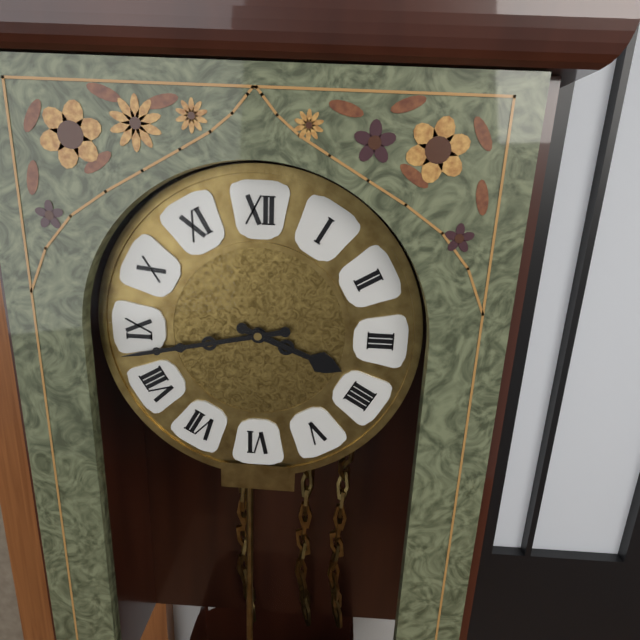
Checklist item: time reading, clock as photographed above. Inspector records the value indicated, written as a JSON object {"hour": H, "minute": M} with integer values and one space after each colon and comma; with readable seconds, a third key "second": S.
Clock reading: {"hour": 3, "minute": 43}
